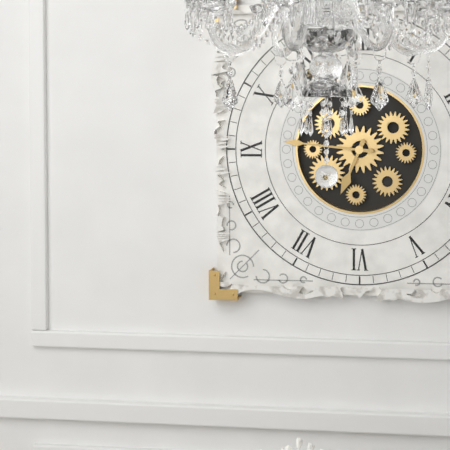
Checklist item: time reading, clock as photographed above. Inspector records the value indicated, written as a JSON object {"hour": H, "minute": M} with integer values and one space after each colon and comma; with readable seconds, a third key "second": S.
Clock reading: {"hour": 6, "minute": 46}
